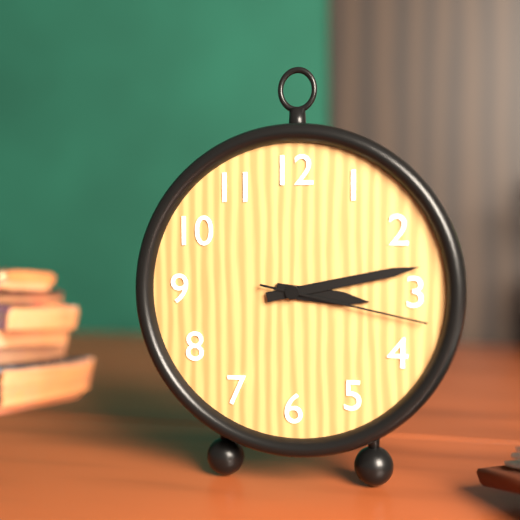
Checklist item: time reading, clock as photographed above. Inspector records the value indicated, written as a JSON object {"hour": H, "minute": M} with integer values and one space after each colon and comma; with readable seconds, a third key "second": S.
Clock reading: {"hour": 3, "minute": 13, "second": 17}
